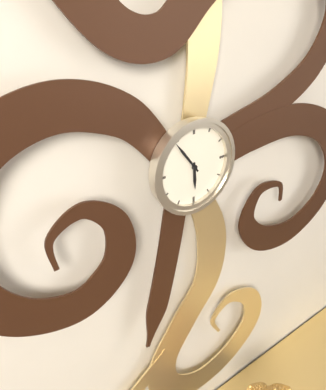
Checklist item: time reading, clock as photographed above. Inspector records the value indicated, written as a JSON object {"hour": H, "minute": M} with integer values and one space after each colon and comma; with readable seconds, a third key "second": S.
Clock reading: {"hour": 5, "minute": 54}
